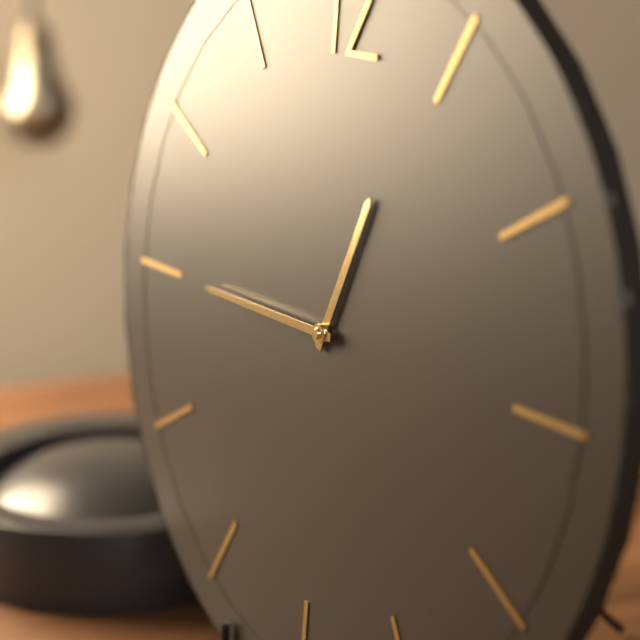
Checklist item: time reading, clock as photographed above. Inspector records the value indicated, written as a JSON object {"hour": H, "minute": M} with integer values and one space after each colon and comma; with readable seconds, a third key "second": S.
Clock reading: {"hour": 12, "minute": 45}
